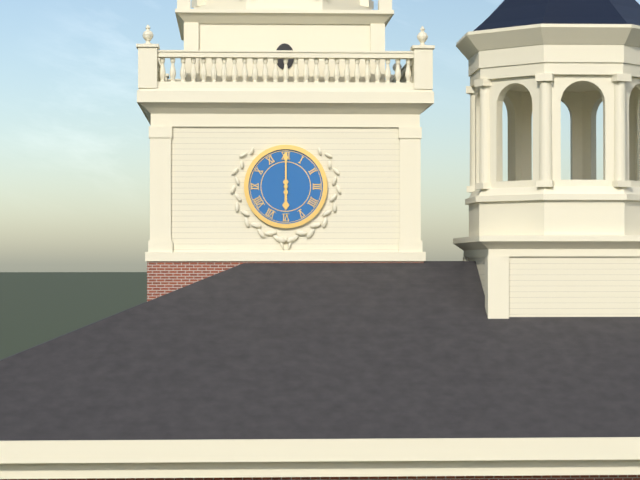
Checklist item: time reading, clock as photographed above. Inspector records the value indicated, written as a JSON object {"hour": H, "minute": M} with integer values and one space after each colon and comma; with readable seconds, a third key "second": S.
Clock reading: {"hour": 6, "minute": 0}
